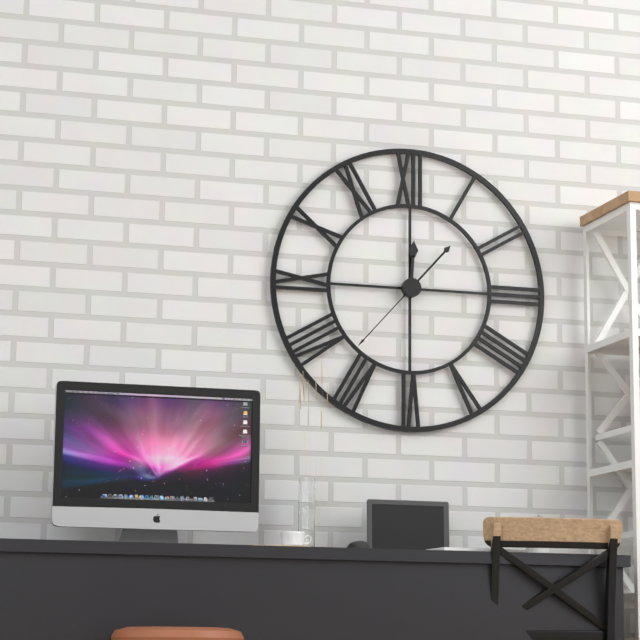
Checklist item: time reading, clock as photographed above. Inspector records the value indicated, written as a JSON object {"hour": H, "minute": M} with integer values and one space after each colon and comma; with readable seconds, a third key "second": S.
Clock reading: {"hour": 12, "minute": 7, "second": 37}
